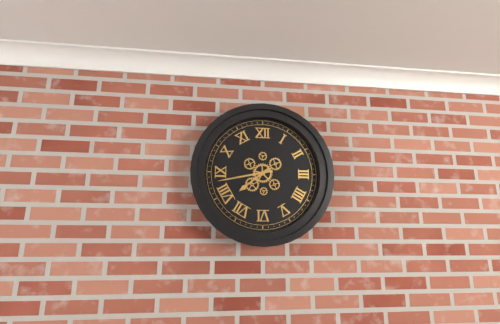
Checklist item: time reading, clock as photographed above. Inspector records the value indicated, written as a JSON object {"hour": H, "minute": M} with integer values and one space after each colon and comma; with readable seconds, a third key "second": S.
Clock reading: {"hour": 7, "minute": 43}
